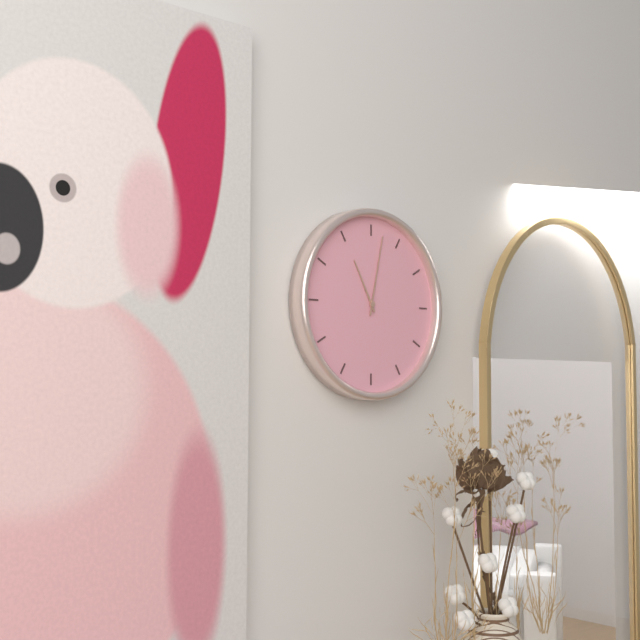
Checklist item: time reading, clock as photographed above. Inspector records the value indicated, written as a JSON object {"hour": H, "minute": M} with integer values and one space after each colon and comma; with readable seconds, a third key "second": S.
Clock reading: {"hour": 11, "minute": 2}
